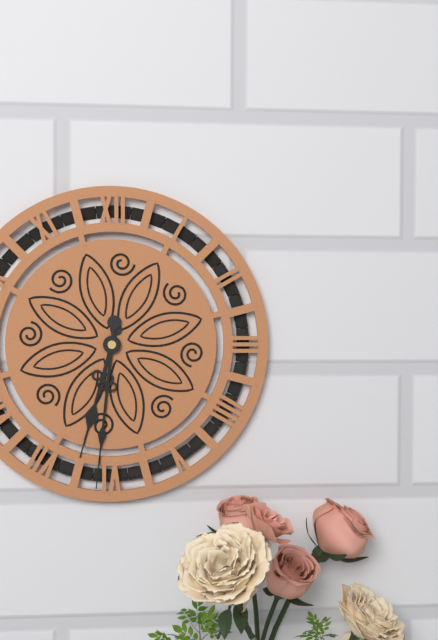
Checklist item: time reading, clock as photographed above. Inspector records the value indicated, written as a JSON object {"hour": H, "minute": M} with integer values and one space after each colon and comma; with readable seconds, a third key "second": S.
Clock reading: {"hour": 6, "minute": 31}
